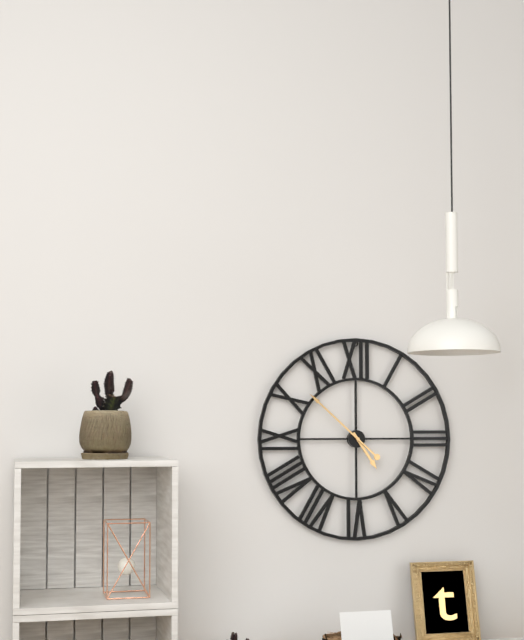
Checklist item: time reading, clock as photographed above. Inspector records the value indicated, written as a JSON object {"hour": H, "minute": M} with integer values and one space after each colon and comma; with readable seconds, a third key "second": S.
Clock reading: {"hour": 4, "minute": 52}
